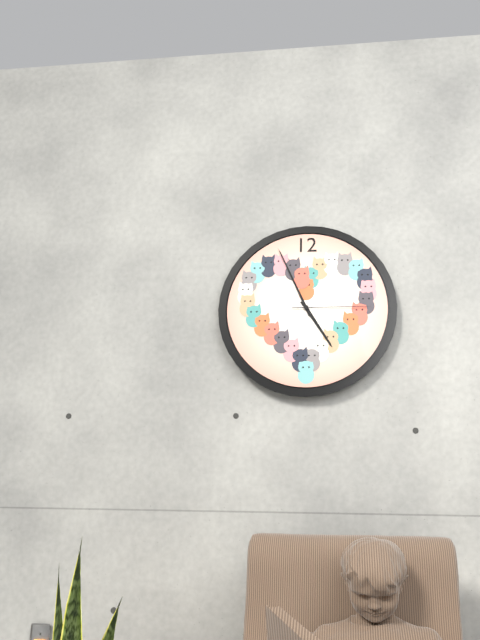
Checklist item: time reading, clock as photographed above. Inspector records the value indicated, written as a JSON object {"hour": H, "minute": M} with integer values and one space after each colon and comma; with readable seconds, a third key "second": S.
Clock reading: {"hour": 4, "minute": 56, "second": 15}
